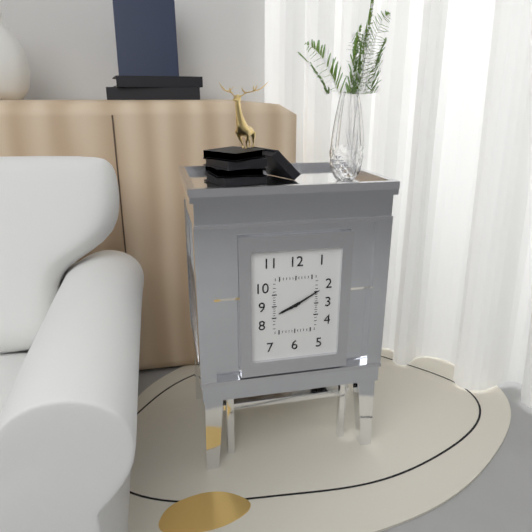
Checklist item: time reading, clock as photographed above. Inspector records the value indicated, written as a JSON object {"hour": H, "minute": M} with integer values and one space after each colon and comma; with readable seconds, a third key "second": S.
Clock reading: {"hour": 8, "minute": 10}
